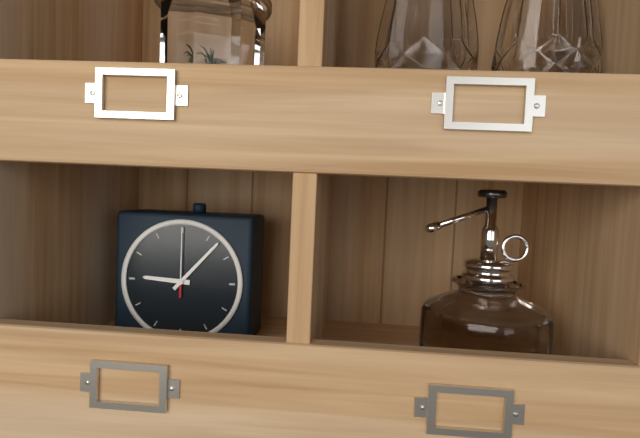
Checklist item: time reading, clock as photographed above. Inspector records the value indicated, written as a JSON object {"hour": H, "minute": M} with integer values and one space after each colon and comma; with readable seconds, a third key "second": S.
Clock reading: {"hour": 9, "minute": 7, "second": 0}
